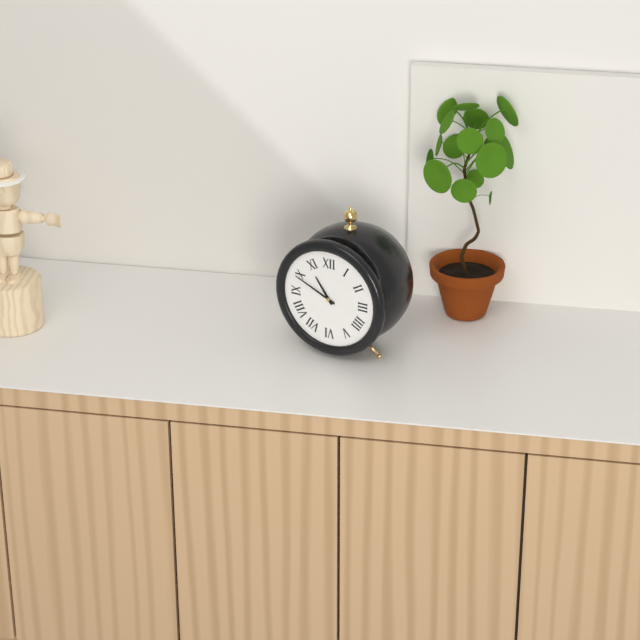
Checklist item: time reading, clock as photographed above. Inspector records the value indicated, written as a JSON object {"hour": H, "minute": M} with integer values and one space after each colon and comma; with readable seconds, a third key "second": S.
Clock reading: {"hour": 10, "minute": 49}
